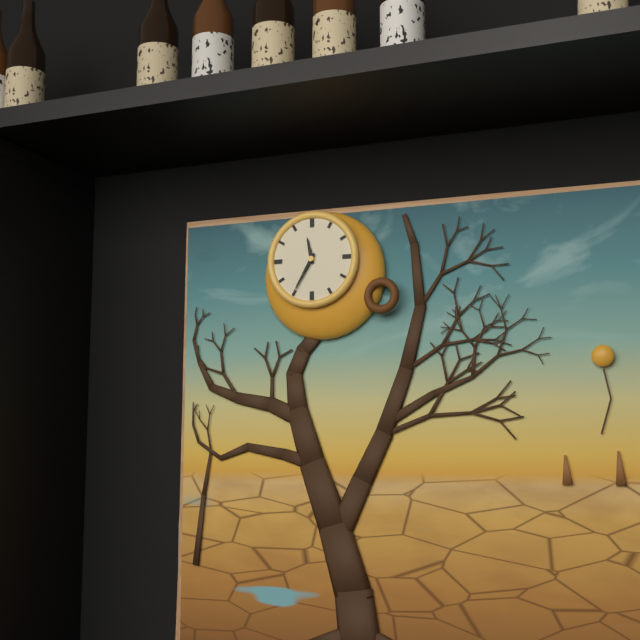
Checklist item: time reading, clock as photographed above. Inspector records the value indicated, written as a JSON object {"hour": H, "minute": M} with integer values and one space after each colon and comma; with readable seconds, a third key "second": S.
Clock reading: {"hour": 11, "minute": 35}
